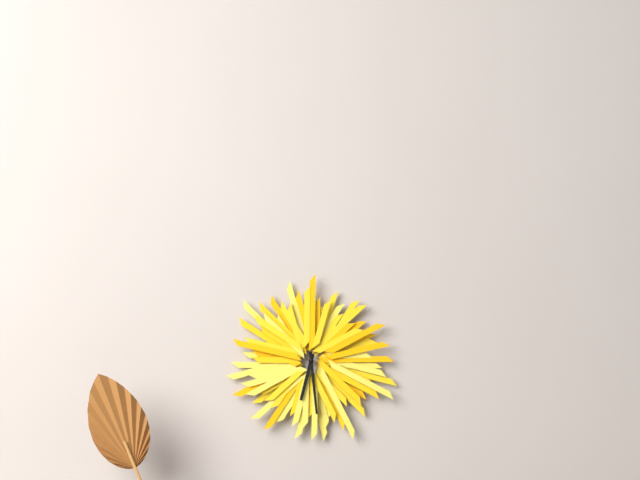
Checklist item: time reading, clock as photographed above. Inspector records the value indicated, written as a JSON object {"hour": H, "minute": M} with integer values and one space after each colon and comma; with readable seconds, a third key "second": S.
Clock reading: {"hour": 6, "minute": 29}
